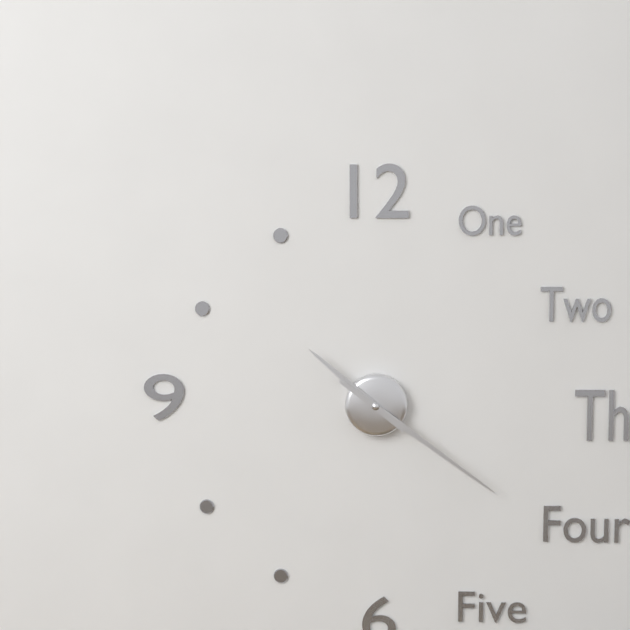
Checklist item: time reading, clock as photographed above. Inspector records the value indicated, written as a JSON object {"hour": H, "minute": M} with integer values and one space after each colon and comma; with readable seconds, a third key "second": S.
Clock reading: {"hour": 10, "minute": 21}
